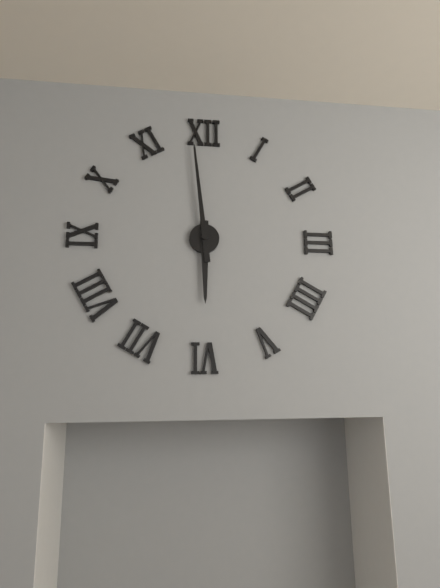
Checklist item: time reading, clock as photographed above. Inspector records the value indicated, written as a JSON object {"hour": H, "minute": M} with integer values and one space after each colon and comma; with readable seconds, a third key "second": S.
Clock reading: {"hour": 5, "minute": 59}
